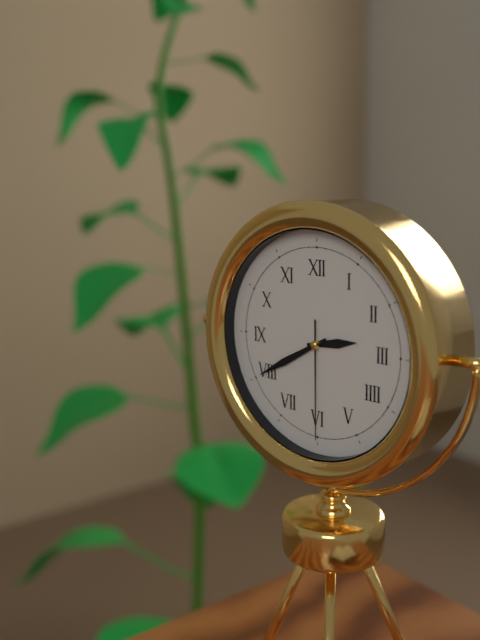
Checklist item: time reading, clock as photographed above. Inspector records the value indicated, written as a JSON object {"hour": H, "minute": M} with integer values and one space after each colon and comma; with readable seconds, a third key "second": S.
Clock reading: {"hour": 2, "minute": 40, "second": 30}
